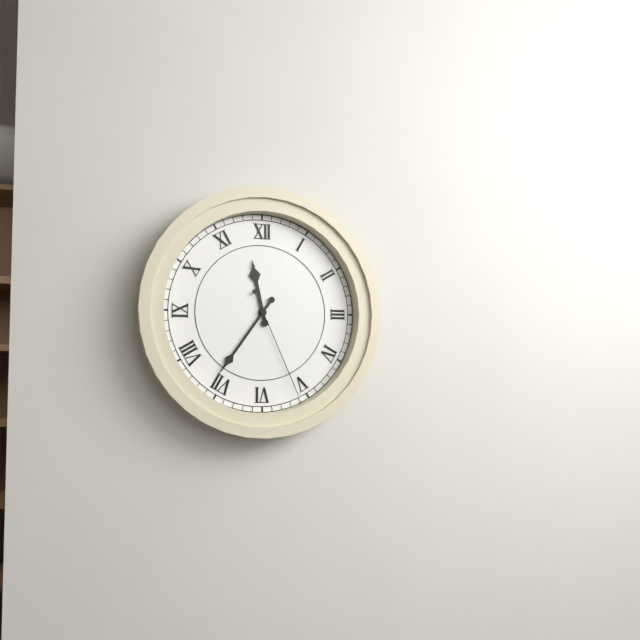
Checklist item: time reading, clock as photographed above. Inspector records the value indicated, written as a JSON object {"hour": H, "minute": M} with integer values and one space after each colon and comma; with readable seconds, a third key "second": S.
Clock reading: {"hour": 11, "minute": 36, "second": 26}
